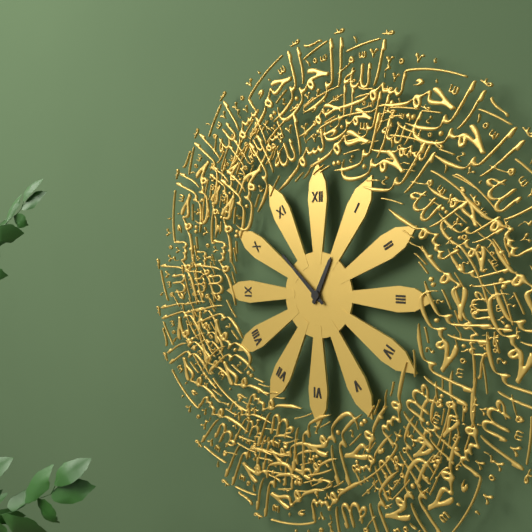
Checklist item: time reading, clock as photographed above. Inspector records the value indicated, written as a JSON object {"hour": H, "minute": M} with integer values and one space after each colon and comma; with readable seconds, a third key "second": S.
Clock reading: {"hour": 12, "minute": 52}
